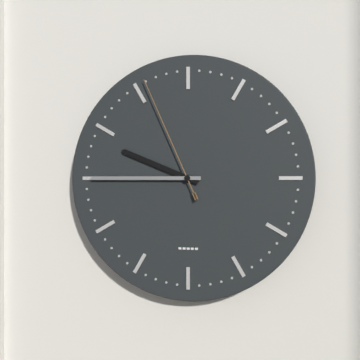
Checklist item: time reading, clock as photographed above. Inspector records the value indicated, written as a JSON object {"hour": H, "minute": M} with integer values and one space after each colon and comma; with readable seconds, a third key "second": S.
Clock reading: {"hour": 9, "minute": 45, "second": 56}
